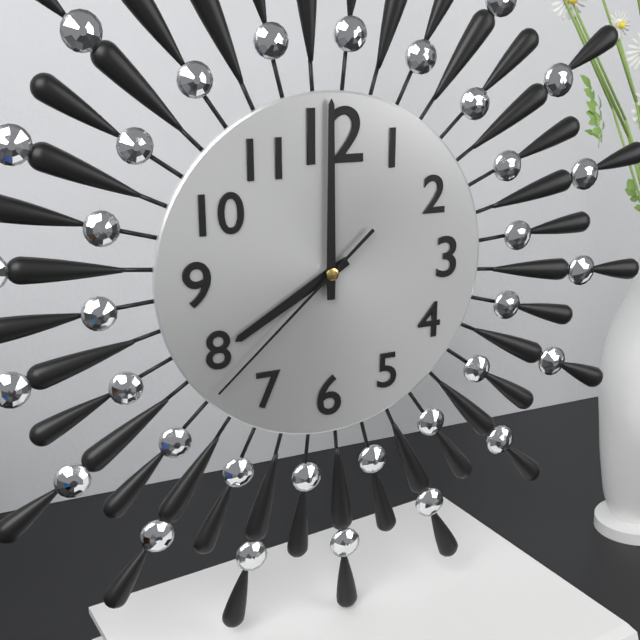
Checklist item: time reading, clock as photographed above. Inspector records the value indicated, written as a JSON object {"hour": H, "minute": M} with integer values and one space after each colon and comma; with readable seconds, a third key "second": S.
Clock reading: {"hour": 8, "minute": 0, "second": 38}
